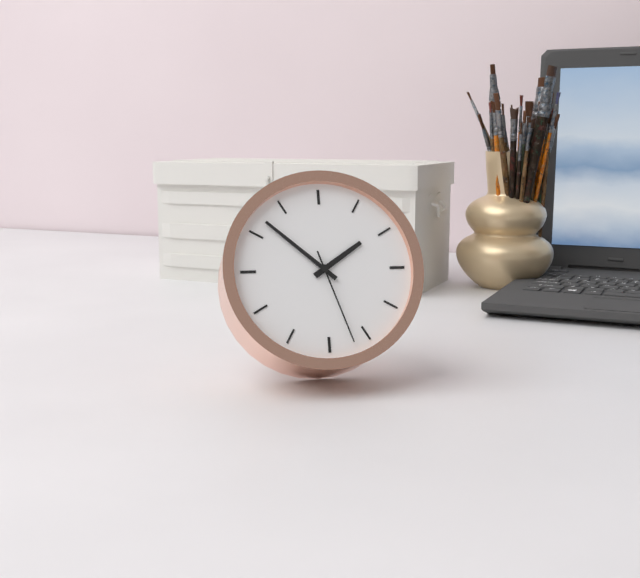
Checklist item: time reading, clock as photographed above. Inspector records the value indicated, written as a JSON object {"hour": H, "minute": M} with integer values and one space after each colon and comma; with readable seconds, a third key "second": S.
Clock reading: {"hour": 1, "minute": 52, "second": 27}
